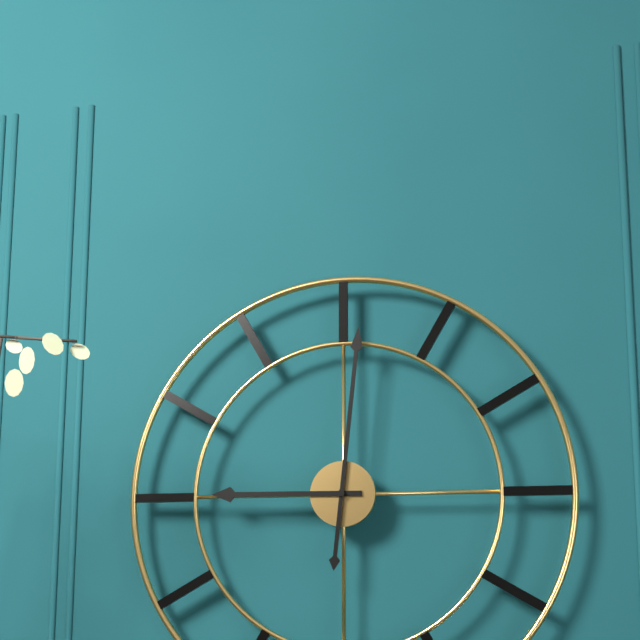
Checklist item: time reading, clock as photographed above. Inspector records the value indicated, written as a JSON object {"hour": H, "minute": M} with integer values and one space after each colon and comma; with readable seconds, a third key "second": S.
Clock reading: {"hour": 9, "minute": 1}
